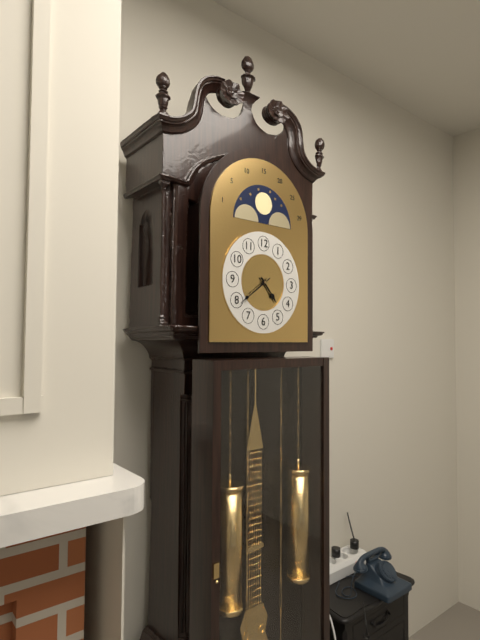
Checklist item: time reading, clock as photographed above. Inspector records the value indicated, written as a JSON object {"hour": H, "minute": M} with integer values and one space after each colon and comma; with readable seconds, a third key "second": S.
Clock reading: {"hour": 4, "minute": 39}
